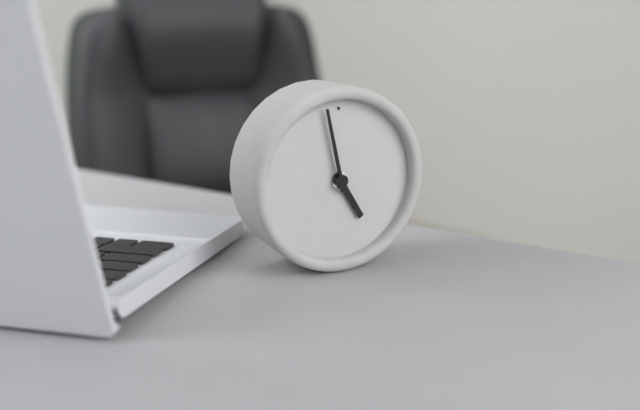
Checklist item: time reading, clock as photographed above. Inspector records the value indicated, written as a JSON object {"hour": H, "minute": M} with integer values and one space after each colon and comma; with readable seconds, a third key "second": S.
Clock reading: {"hour": 4, "minute": 58}
